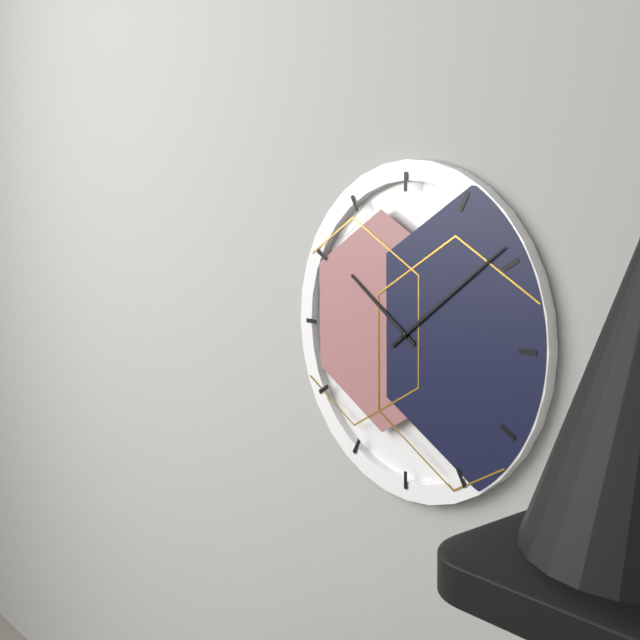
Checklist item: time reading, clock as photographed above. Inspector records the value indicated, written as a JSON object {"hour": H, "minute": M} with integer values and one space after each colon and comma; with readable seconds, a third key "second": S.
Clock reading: {"hour": 10, "minute": 9}
